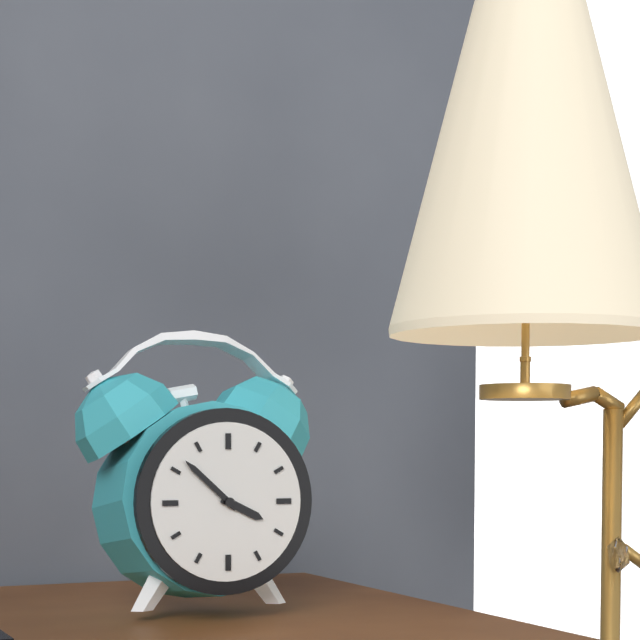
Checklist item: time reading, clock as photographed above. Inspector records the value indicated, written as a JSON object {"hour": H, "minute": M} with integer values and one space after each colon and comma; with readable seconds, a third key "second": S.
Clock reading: {"hour": 3, "minute": 52}
